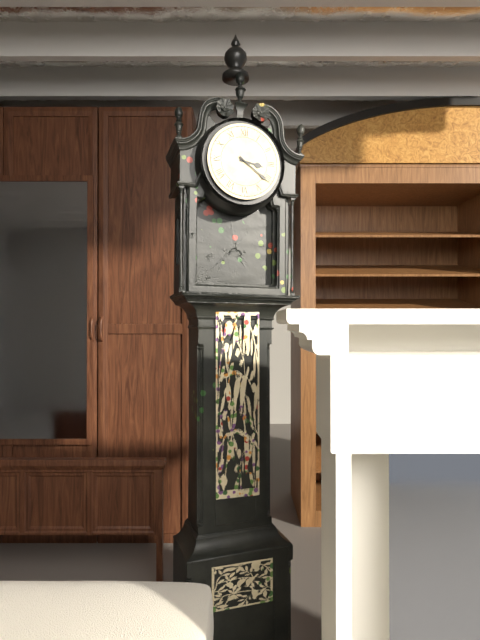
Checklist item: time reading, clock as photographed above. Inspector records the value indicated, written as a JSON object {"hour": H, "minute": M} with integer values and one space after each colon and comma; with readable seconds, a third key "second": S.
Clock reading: {"hour": 3, "minute": 21}
